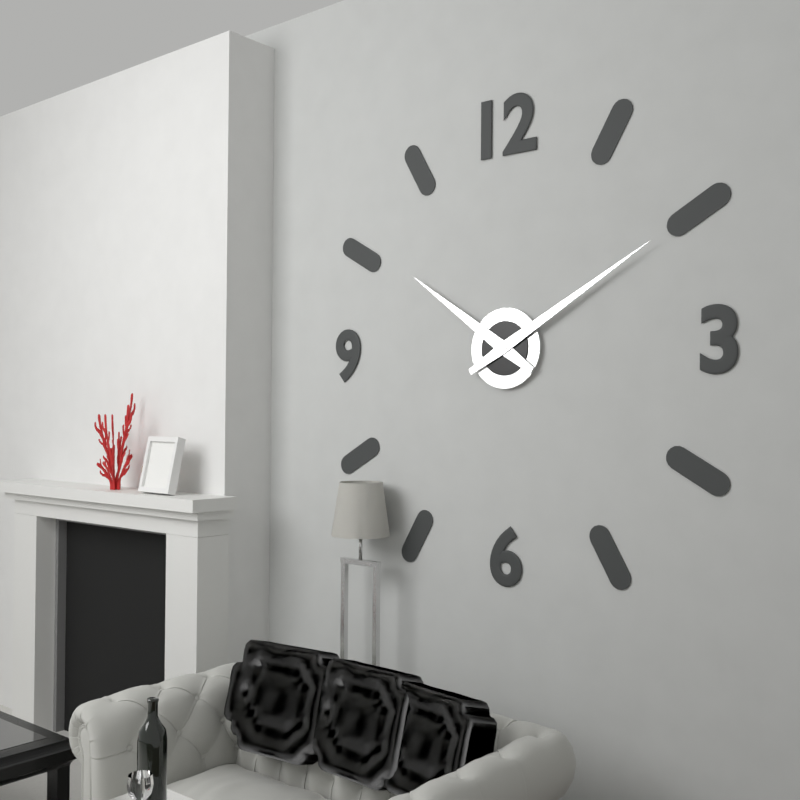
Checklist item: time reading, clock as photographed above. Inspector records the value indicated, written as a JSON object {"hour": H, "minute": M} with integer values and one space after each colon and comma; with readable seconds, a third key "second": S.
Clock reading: {"hour": 10, "minute": 10}
